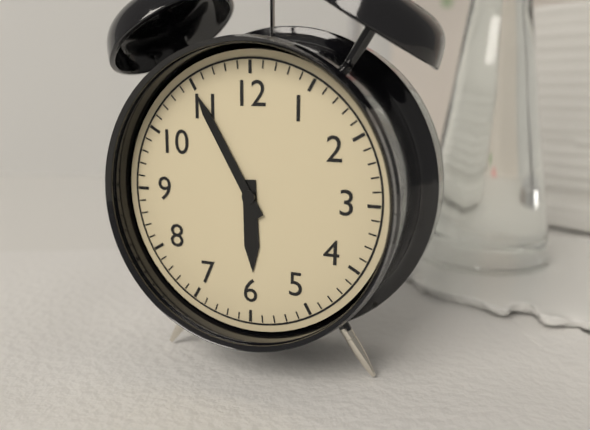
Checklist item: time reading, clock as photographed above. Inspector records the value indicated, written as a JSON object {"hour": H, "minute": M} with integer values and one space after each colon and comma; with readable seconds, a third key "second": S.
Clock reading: {"hour": 5, "minute": 55}
